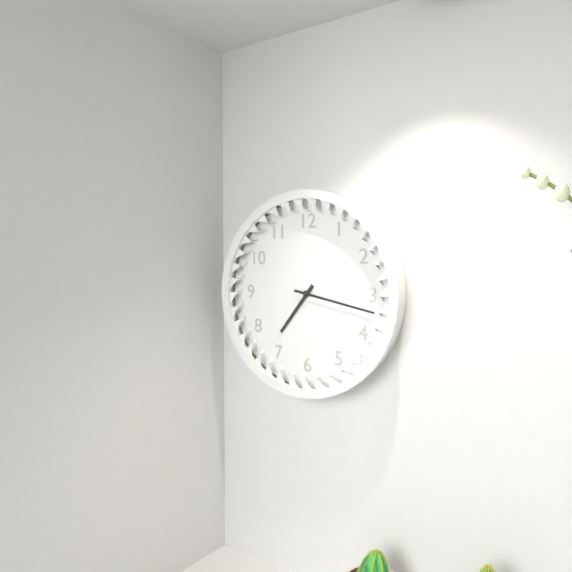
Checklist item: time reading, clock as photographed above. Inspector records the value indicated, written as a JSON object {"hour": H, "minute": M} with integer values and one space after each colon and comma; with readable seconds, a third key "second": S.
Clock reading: {"hour": 7, "minute": 17}
